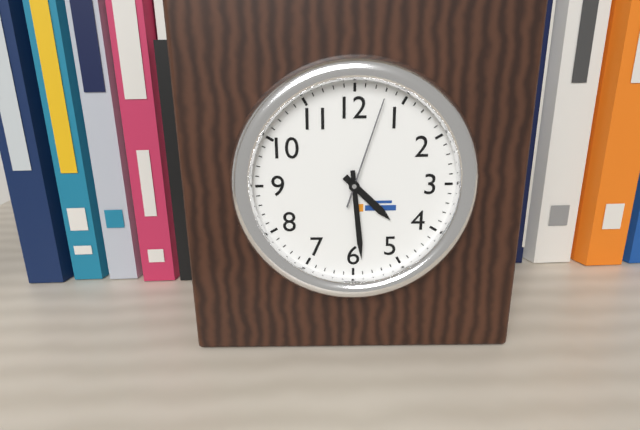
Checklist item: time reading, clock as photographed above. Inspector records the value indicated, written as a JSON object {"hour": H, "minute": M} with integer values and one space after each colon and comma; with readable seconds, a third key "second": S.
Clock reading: {"hour": 4, "minute": 29, "second": 3}
